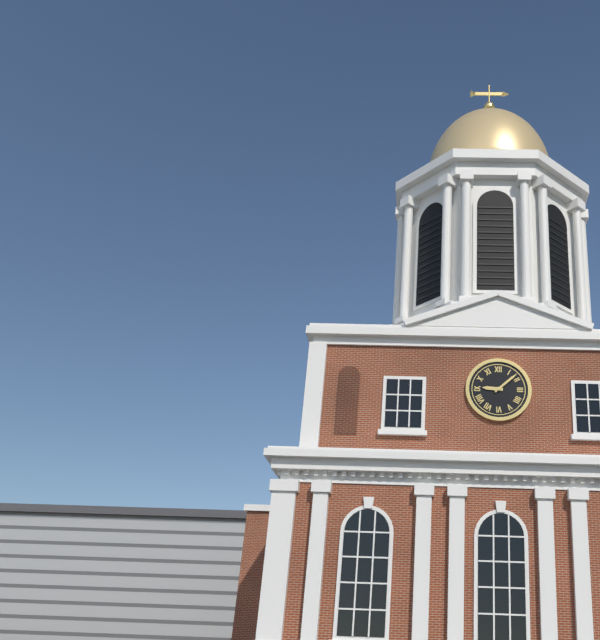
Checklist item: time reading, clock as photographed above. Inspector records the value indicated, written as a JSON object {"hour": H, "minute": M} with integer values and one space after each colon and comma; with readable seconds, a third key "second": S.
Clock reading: {"hour": 9, "minute": 8}
